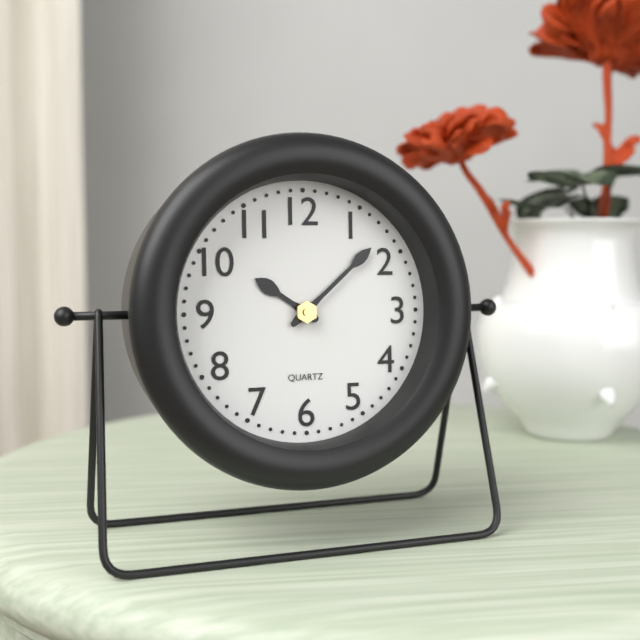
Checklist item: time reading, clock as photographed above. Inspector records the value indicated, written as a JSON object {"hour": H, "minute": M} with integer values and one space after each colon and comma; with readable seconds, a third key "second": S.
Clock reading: {"hour": 10, "minute": 8}
